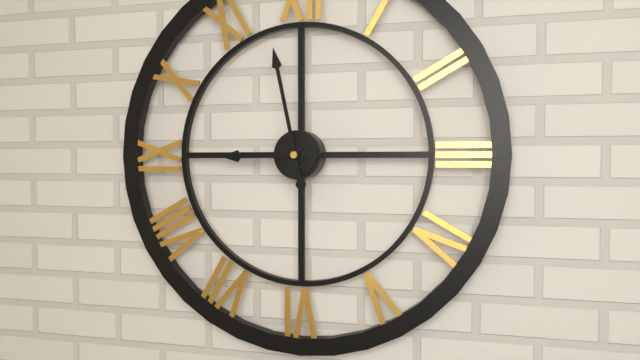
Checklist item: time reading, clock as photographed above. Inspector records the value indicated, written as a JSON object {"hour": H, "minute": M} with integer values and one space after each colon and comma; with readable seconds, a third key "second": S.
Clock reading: {"hour": 8, "minute": 58}
